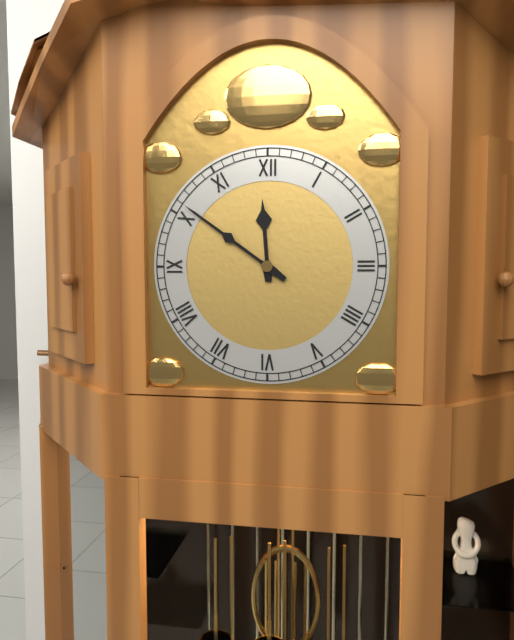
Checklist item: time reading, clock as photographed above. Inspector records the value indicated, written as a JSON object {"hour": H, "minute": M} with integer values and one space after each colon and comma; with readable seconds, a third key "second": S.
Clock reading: {"hour": 11, "minute": 51}
